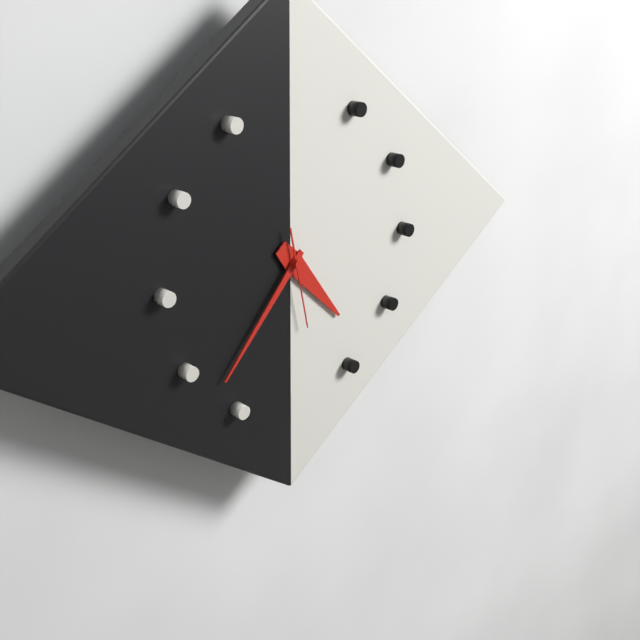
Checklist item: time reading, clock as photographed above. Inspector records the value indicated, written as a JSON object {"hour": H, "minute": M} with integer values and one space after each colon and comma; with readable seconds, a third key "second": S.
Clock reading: {"hour": 4, "minute": 37, "second": 28}
